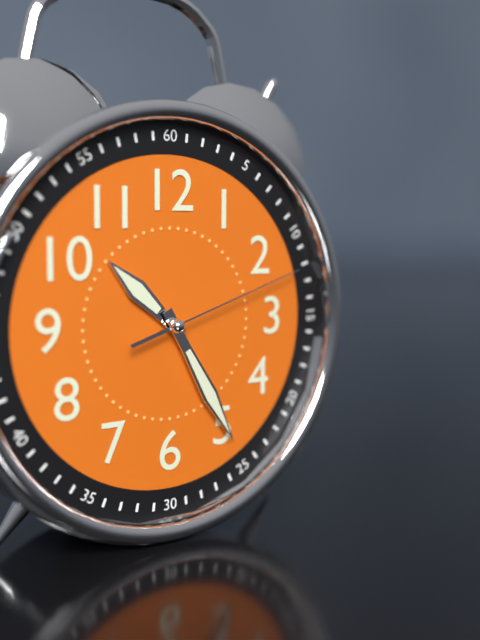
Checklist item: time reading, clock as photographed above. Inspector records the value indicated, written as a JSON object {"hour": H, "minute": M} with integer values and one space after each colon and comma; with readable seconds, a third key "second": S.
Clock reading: {"hour": 10, "minute": 25, "second": 12}
